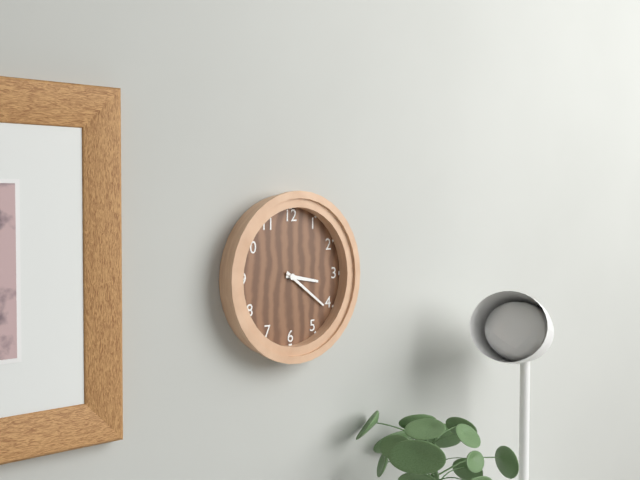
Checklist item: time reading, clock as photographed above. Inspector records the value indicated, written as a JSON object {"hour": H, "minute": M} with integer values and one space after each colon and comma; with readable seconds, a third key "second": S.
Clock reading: {"hour": 3, "minute": 21}
